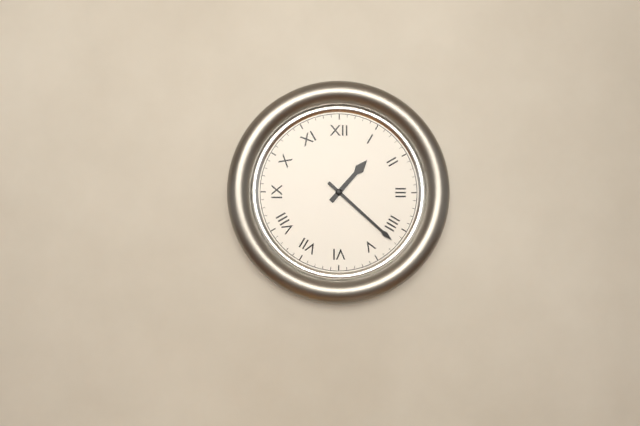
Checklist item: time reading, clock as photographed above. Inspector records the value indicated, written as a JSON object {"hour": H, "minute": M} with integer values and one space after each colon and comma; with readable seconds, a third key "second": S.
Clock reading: {"hour": 1, "minute": 22}
